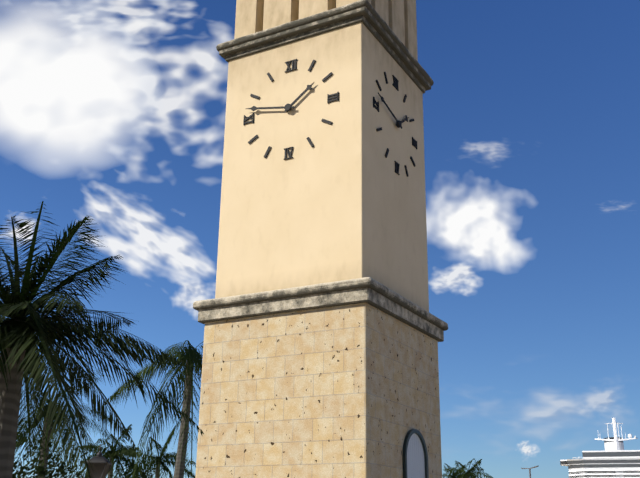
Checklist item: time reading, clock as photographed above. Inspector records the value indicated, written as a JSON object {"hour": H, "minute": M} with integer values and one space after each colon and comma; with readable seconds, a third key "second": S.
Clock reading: {"hour": 1, "minute": 47}
